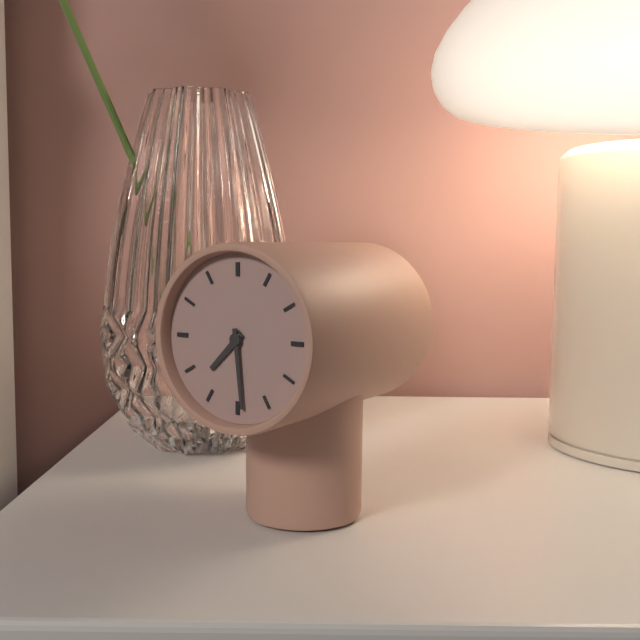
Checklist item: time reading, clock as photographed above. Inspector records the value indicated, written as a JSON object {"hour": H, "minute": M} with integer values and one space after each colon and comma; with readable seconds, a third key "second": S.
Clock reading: {"hour": 7, "minute": 29}
